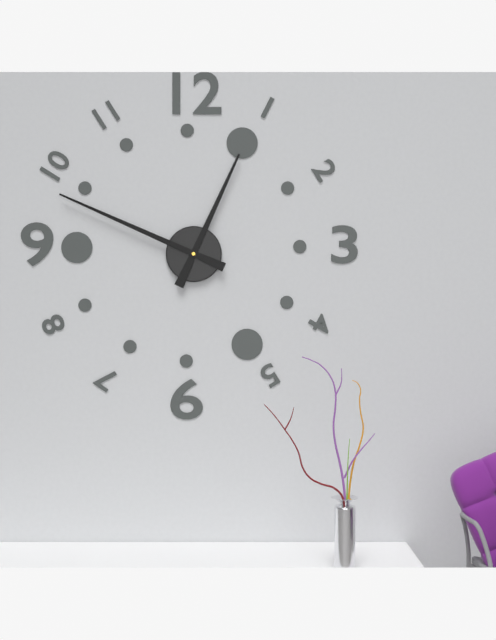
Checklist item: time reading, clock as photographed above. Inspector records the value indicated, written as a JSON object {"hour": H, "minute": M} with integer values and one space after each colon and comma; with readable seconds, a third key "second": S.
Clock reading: {"hour": 12, "minute": 49}
